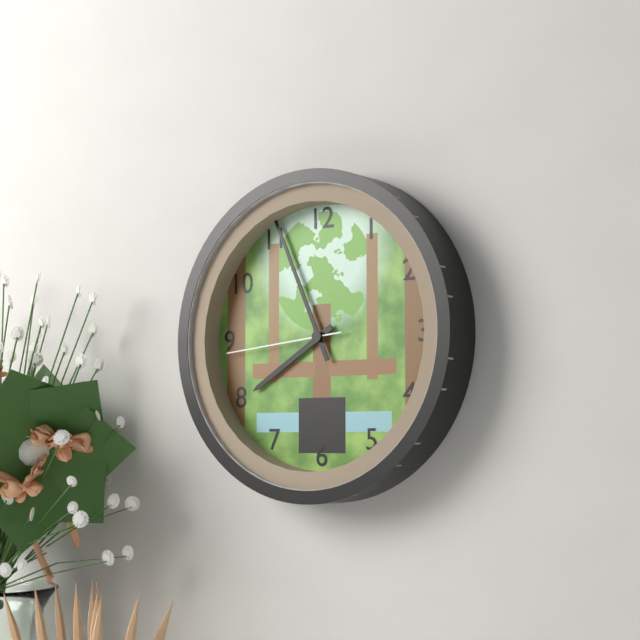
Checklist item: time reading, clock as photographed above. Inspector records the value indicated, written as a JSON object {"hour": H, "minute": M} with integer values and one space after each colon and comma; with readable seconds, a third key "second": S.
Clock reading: {"hour": 7, "minute": 56, "second": 44}
